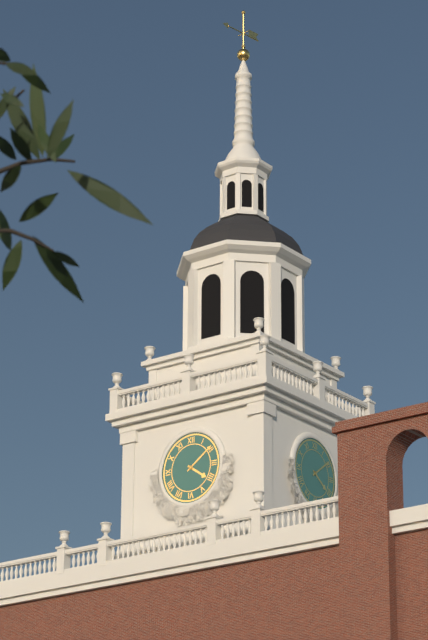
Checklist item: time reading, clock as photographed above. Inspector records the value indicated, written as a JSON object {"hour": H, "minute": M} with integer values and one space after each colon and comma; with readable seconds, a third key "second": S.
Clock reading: {"hour": 4, "minute": 9}
